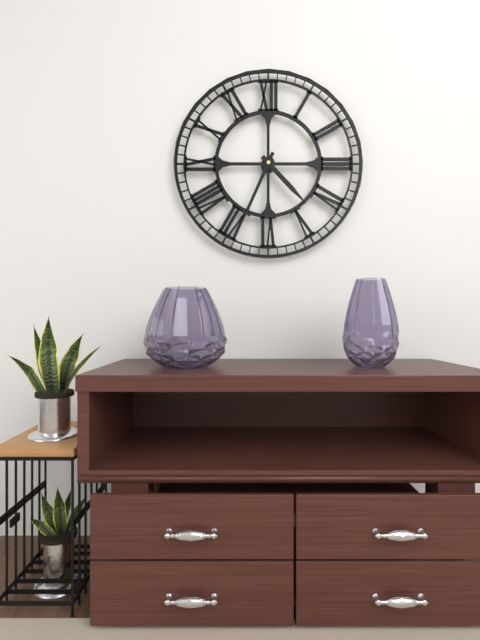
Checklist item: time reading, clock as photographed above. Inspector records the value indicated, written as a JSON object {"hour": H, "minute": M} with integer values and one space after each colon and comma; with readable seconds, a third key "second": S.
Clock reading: {"hour": 4, "minute": 34}
